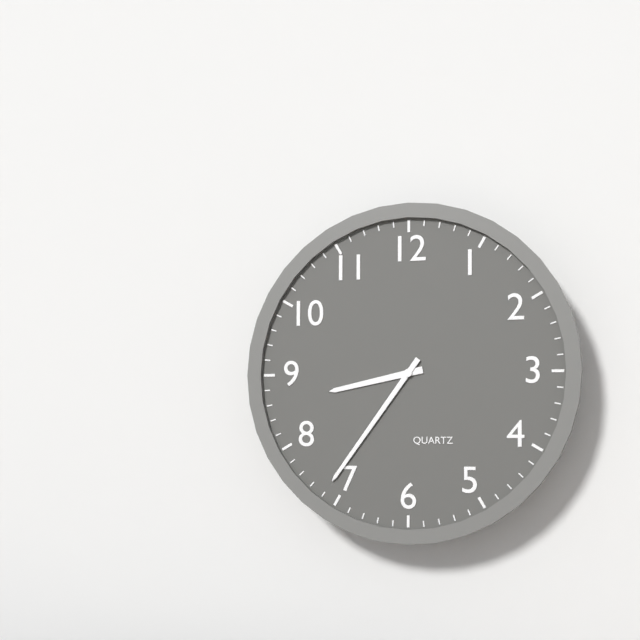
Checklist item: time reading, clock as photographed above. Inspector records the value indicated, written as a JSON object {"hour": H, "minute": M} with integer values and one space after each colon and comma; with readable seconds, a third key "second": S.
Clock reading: {"hour": 8, "minute": 36}
